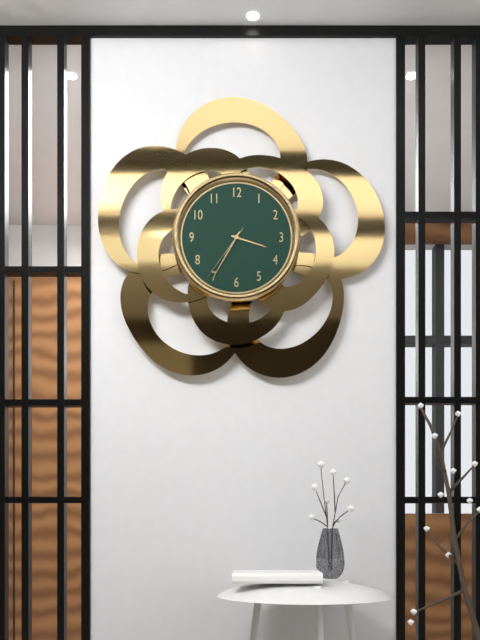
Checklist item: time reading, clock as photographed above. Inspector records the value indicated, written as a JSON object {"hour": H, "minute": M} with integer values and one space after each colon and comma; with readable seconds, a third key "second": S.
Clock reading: {"hour": 3, "minute": 35, "second": 36}
